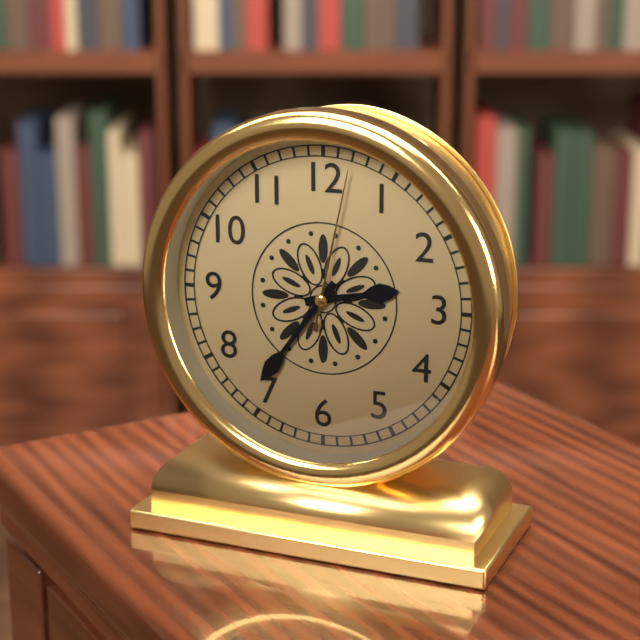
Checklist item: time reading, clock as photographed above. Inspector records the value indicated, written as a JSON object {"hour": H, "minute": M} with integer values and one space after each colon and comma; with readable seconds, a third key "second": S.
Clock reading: {"hour": 2, "minute": 36, "second": 2}
